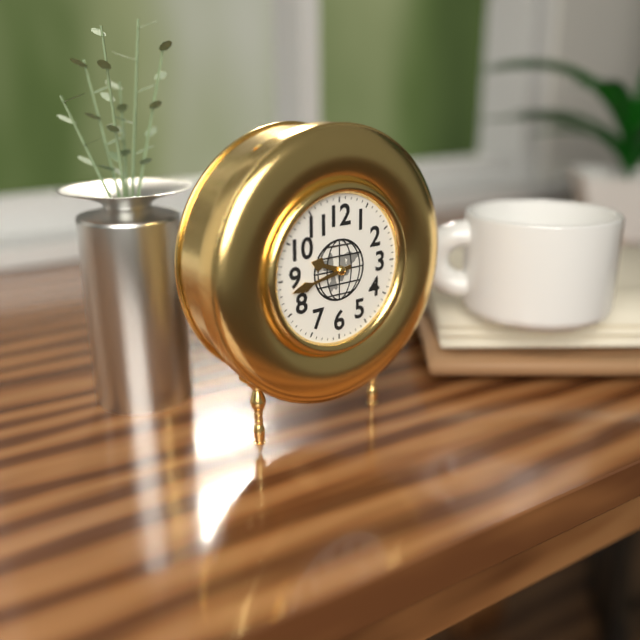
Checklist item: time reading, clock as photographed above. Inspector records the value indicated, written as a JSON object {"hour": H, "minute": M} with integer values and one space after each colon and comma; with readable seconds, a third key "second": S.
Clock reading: {"hour": 9, "minute": 43}
